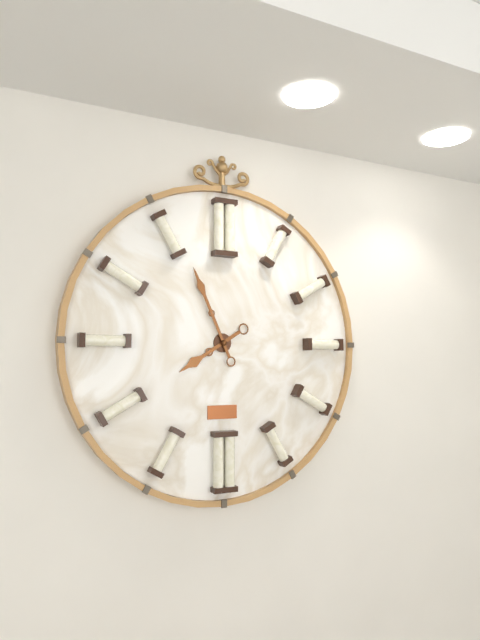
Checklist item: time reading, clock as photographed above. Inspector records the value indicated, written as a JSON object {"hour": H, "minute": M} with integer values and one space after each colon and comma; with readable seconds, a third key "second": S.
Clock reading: {"hour": 7, "minute": 56}
